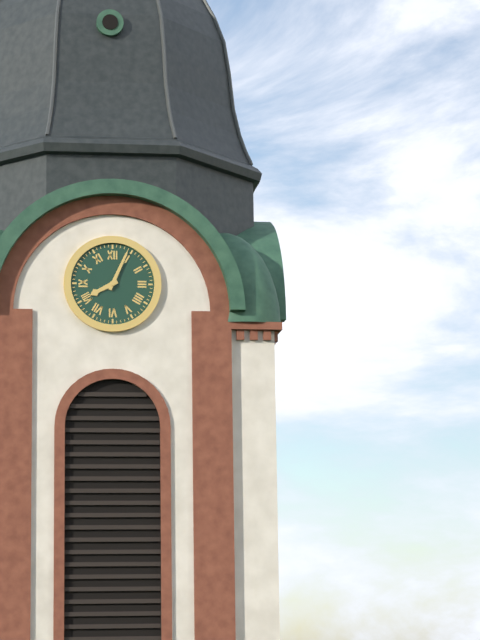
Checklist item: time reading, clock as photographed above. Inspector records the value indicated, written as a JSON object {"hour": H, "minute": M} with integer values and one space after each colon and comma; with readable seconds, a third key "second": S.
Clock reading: {"hour": 8, "minute": 4}
